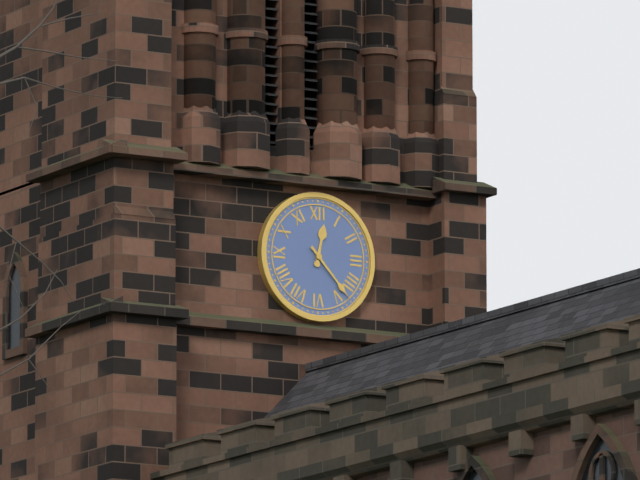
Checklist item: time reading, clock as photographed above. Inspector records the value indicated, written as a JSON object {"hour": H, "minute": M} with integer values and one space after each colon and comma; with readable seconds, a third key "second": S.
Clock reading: {"hour": 12, "minute": 23}
